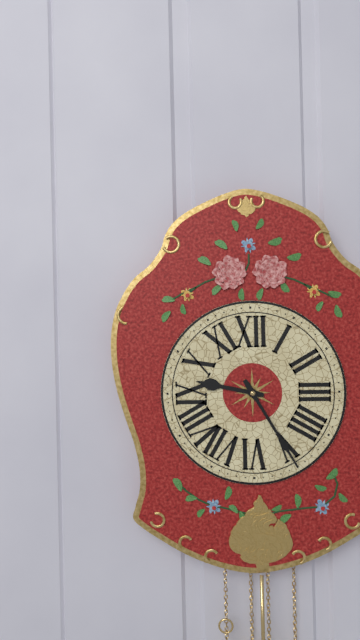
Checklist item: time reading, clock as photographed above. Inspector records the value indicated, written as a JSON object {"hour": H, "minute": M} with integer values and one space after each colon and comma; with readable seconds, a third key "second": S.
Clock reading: {"hour": 9, "minute": 25}
